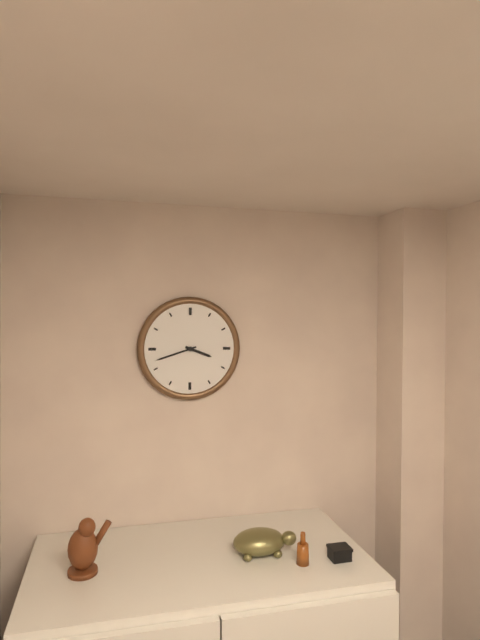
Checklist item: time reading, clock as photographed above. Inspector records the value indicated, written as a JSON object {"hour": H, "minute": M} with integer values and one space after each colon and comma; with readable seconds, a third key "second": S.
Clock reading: {"hour": 3, "minute": 42}
